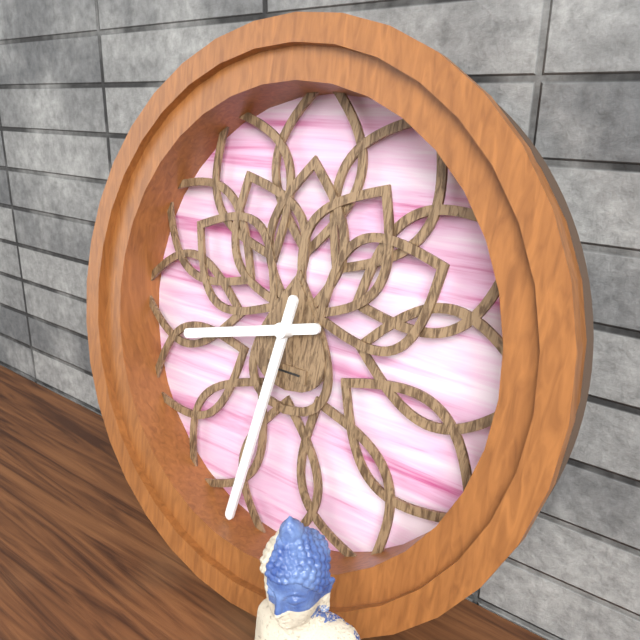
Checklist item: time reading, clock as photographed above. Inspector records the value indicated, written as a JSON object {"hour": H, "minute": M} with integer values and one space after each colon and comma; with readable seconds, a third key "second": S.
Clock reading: {"hour": 8, "minute": 32}
